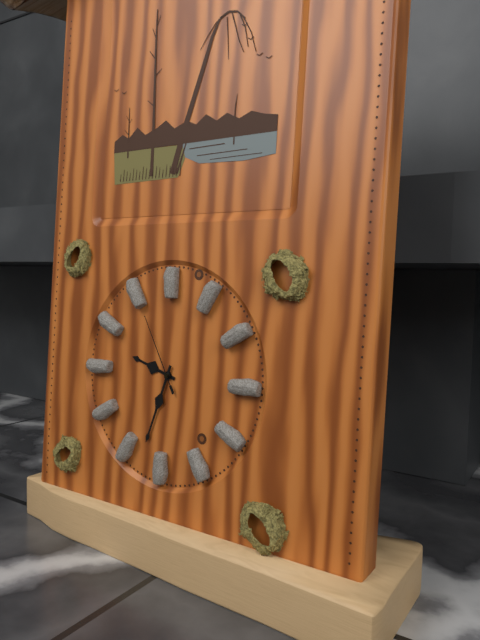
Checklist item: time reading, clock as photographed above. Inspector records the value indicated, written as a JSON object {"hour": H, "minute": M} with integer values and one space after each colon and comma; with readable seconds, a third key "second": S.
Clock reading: {"hour": 9, "minute": 33, "second": 55}
